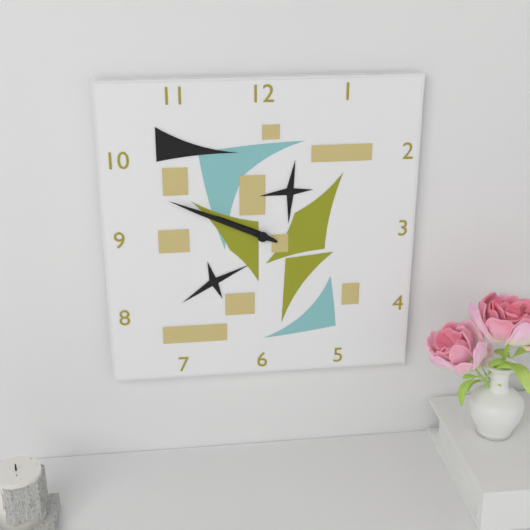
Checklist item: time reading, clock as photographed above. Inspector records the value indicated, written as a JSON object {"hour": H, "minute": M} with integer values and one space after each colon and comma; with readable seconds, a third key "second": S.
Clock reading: {"hour": 9, "minute": 49}
